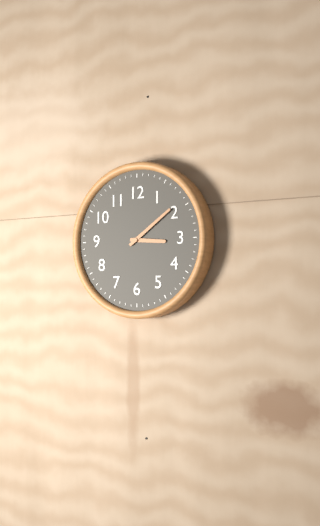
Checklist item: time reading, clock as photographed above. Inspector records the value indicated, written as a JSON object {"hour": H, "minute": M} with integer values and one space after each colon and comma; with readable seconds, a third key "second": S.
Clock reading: {"hour": 3, "minute": 9}
